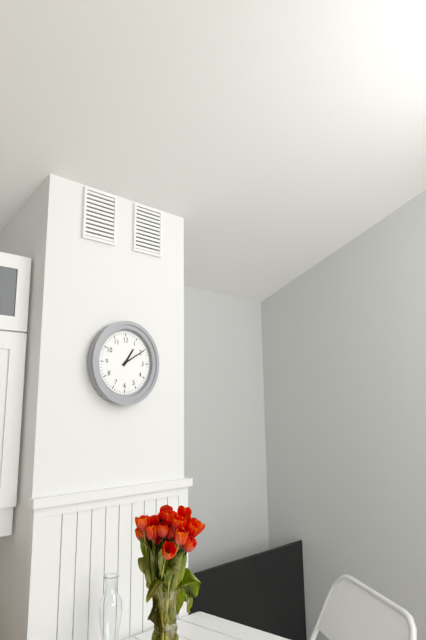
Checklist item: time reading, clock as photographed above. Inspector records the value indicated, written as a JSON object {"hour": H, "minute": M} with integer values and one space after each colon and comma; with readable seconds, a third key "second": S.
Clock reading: {"hour": 1, "minute": 10}
